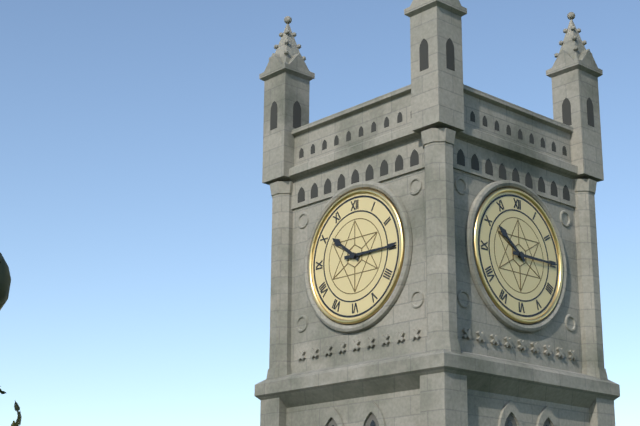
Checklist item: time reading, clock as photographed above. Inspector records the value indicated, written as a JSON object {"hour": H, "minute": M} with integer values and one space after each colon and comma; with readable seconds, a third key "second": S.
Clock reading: {"hour": 10, "minute": 15}
